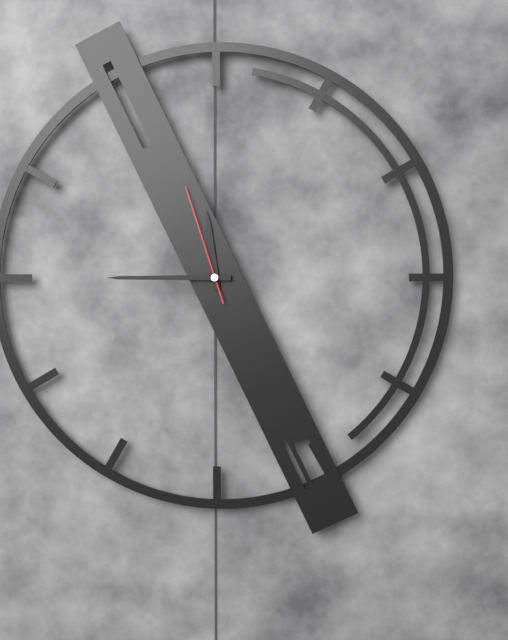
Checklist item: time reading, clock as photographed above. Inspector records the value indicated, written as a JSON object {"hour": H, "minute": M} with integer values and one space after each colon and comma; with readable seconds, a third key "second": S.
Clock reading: {"hour": 11, "minute": 45, "second": 57}
